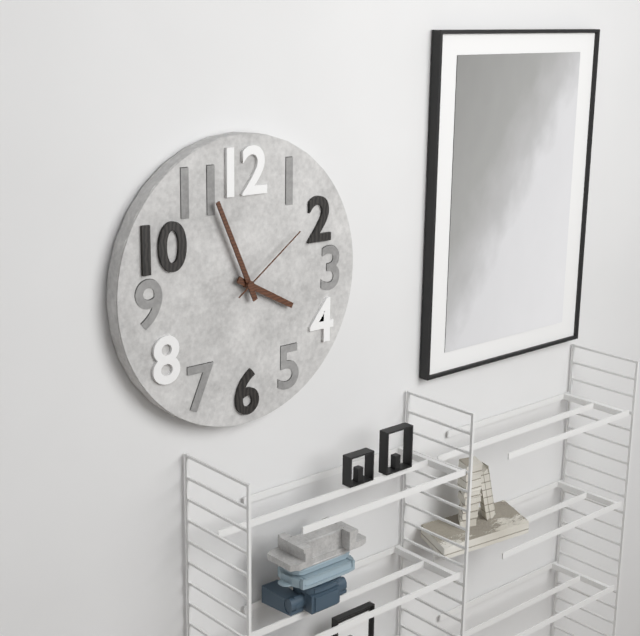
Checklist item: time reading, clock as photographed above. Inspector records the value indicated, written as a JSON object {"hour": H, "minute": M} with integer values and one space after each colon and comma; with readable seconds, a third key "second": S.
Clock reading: {"hour": 3, "minute": 56, "second": 9}
